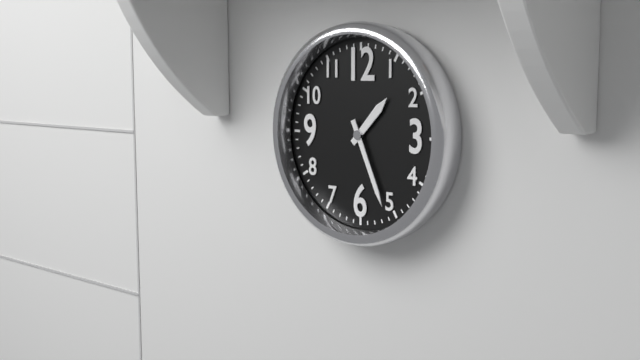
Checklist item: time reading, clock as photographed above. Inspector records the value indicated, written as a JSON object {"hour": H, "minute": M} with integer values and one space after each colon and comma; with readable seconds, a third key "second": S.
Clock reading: {"hour": 1, "minute": 26}
